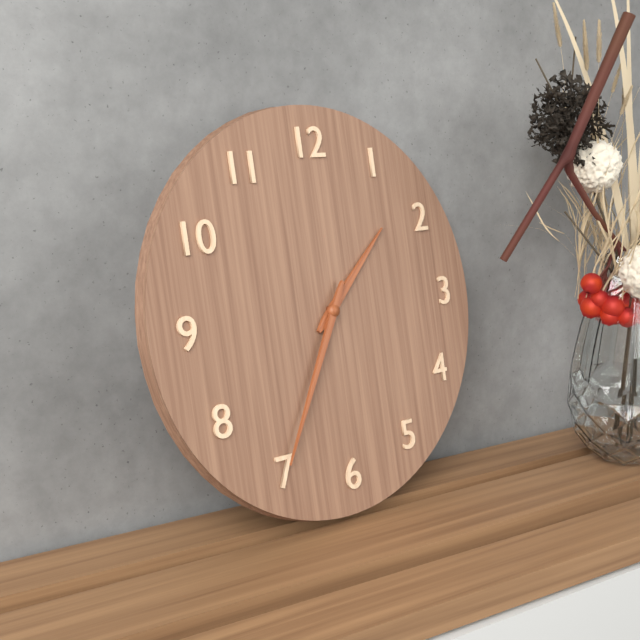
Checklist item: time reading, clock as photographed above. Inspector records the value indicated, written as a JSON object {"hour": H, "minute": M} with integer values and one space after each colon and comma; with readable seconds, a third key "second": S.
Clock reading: {"hour": 1, "minute": 35}
